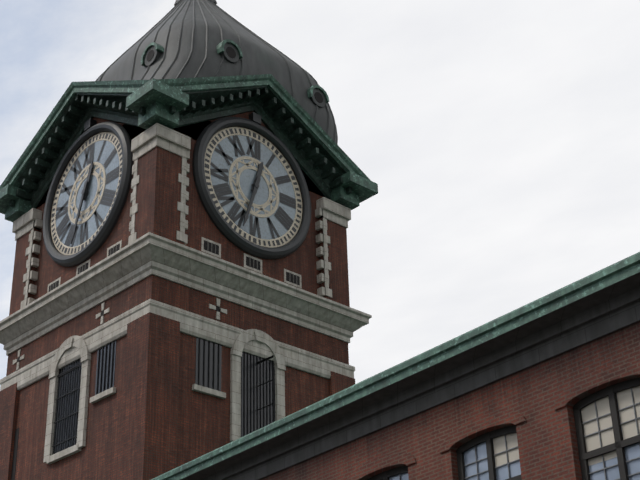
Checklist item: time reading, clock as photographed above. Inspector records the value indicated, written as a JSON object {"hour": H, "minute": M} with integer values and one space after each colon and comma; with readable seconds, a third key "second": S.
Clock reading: {"hour": 12, "minute": 33}
